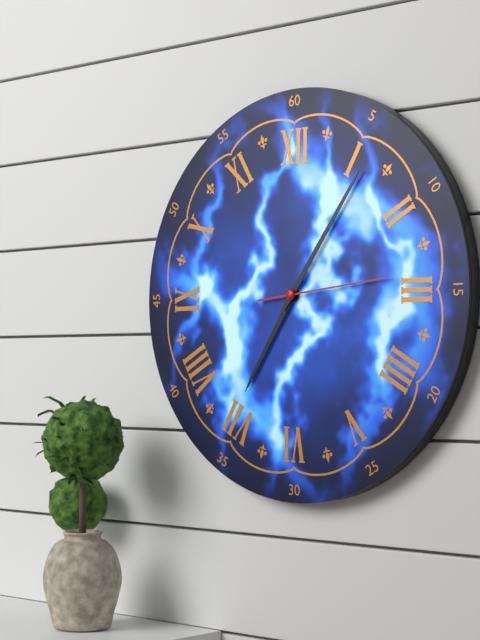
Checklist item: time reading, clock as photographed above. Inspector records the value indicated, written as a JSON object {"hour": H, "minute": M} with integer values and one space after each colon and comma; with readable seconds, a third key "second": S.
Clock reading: {"hour": 7, "minute": 6, "second": 14}
